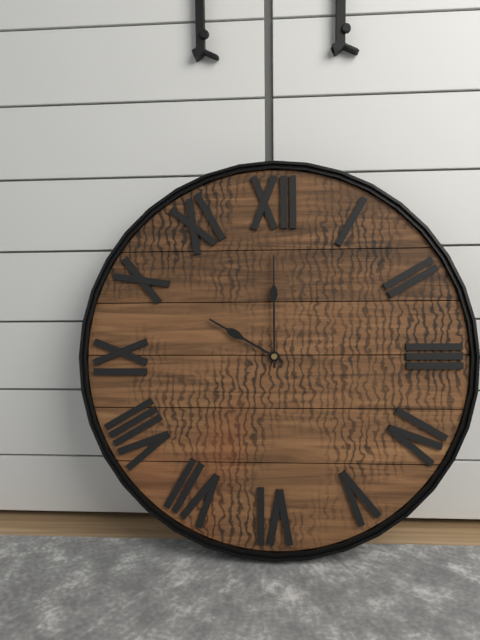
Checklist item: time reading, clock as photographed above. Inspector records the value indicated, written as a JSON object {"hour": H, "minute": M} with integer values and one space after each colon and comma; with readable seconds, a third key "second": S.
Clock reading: {"hour": 10, "minute": 0}
